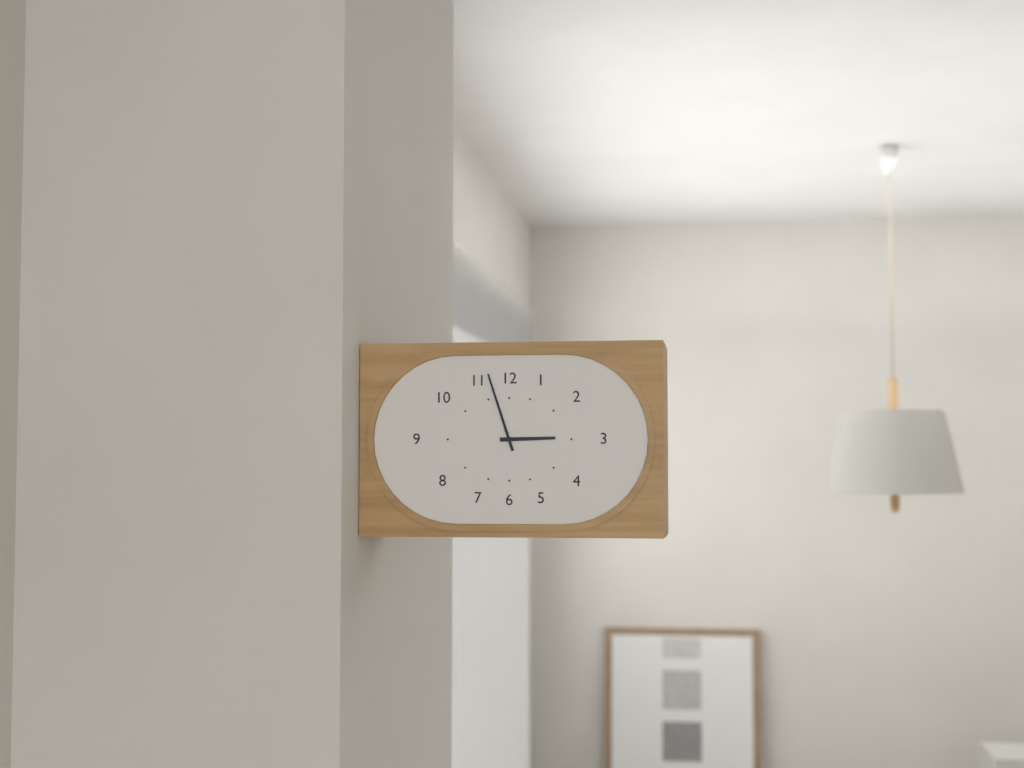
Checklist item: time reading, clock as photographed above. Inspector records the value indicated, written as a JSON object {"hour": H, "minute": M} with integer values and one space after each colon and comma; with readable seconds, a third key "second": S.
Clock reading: {"hour": 2, "minute": 57}
